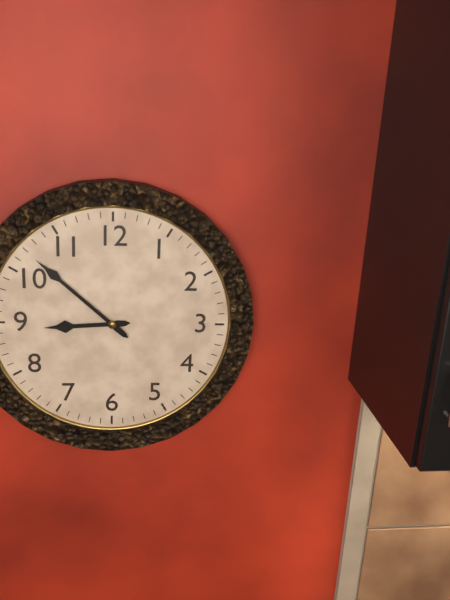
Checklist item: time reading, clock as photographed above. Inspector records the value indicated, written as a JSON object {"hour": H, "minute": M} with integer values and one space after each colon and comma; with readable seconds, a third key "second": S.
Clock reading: {"hour": 8, "minute": 52}
